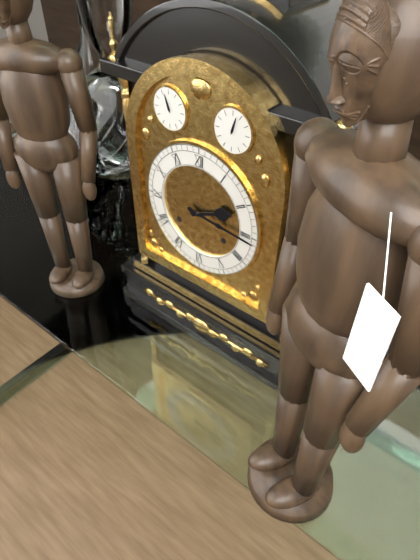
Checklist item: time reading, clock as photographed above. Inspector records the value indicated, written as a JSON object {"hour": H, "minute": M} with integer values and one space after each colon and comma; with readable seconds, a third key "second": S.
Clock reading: {"hour": 2, "minute": 16}
